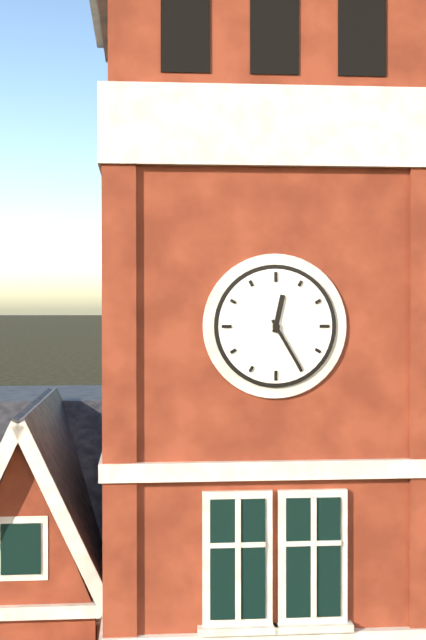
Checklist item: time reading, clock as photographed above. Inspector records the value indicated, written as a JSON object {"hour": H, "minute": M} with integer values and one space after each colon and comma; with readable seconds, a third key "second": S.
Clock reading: {"hour": 12, "minute": 25}
